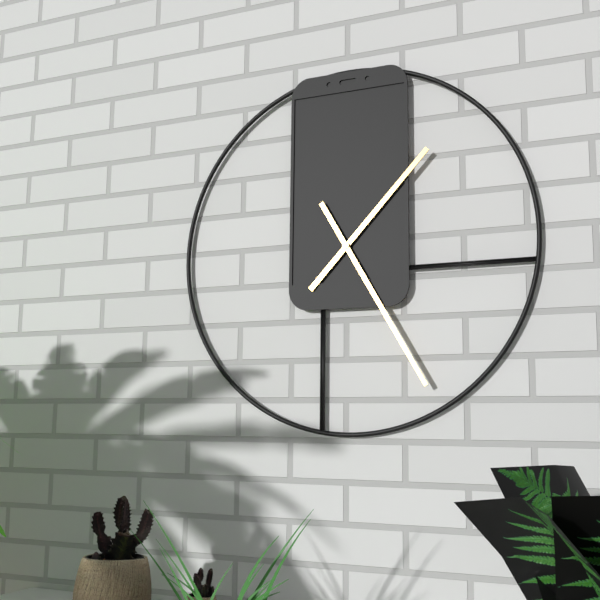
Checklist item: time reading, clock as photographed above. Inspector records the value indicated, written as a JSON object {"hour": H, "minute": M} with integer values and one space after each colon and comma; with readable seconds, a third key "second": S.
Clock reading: {"hour": 1, "minute": 25}
